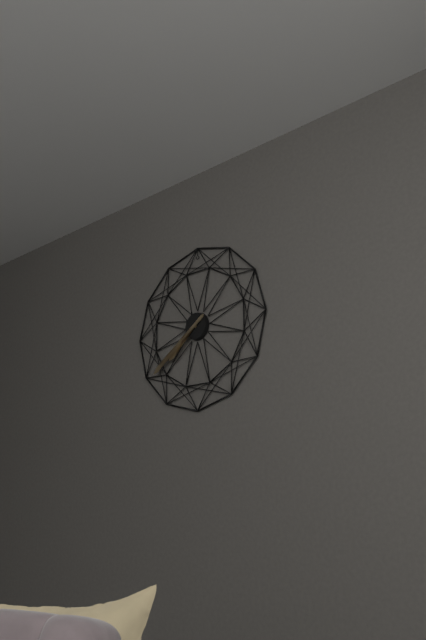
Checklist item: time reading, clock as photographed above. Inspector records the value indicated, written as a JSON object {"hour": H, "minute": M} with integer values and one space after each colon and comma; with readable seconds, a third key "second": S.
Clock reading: {"hour": 7, "minute": 39}
